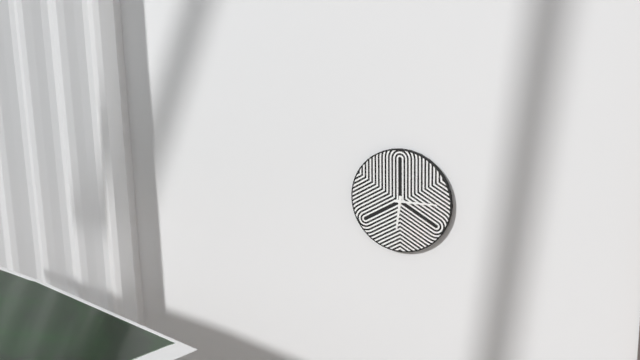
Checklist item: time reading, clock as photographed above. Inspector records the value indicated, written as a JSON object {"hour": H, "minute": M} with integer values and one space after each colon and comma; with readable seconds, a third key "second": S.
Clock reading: {"hour": 6, "minute": 15}
